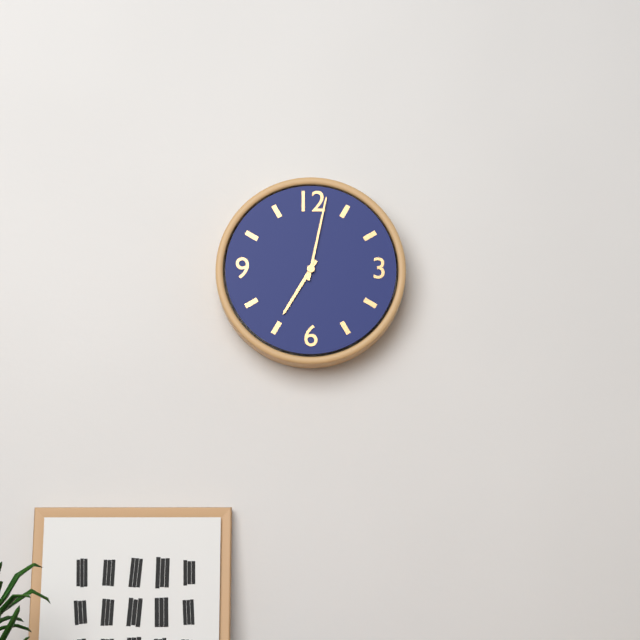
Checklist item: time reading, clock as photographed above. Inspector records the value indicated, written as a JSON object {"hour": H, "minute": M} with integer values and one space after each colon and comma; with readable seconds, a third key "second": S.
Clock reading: {"hour": 7, "minute": 2}
